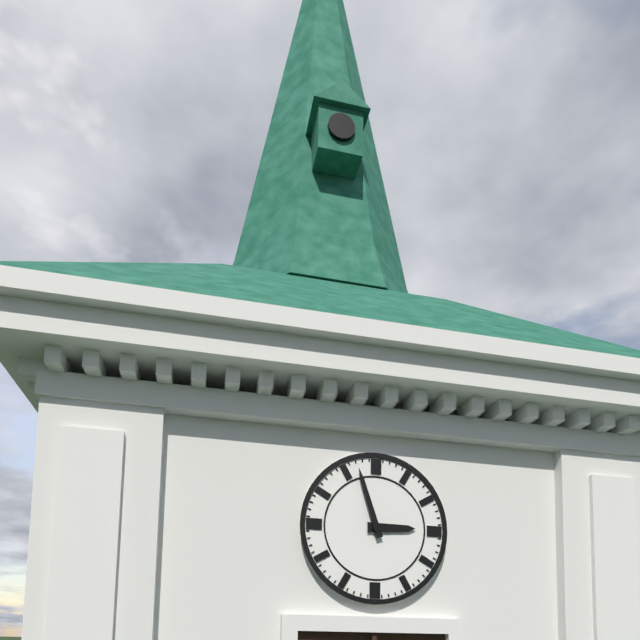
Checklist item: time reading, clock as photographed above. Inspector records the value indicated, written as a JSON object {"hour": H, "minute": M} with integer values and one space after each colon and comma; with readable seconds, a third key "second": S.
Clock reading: {"hour": 2, "minute": 57}
